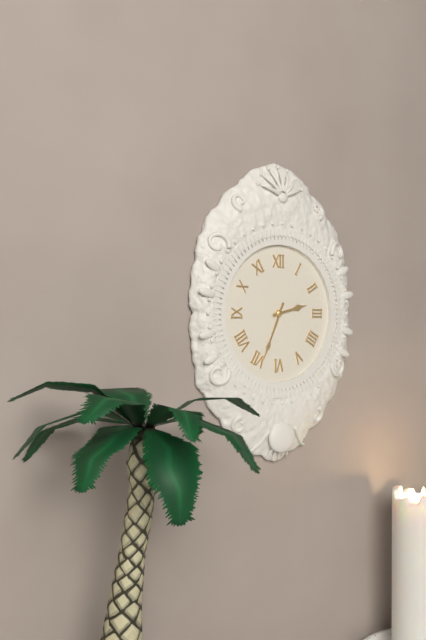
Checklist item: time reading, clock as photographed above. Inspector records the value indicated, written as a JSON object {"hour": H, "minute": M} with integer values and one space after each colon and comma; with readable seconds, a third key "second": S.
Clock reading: {"hour": 2, "minute": 34}
